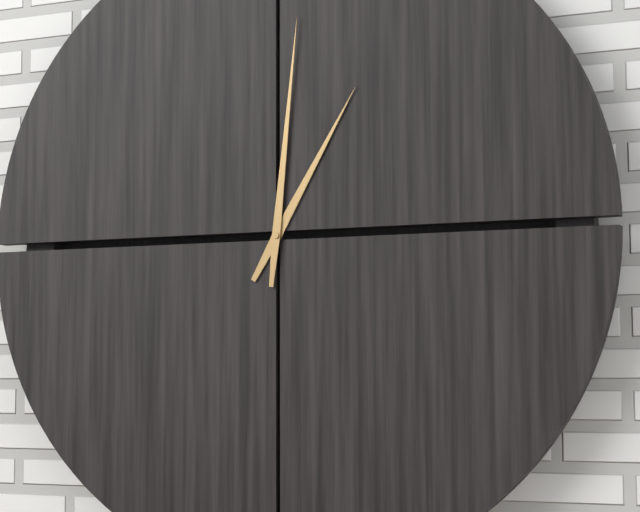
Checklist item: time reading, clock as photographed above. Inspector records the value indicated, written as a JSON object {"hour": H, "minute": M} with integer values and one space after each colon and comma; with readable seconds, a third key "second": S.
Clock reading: {"hour": 1, "minute": 1}
